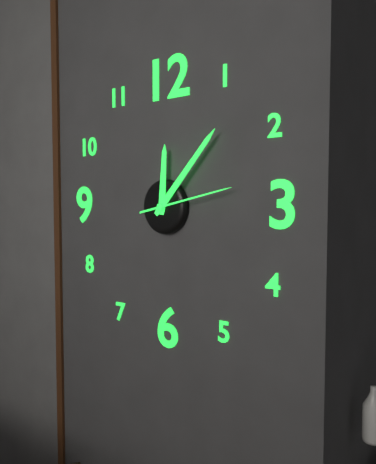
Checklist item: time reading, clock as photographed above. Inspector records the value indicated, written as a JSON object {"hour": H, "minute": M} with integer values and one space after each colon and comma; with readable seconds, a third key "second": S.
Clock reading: {"hour": 12, "minute": 7, "second": 13}
